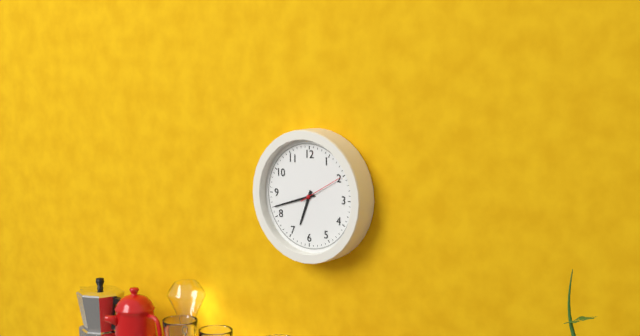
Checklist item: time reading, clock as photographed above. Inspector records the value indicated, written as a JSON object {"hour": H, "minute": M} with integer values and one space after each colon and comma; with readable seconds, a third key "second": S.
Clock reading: {"hour": 6, "minute": 42}
